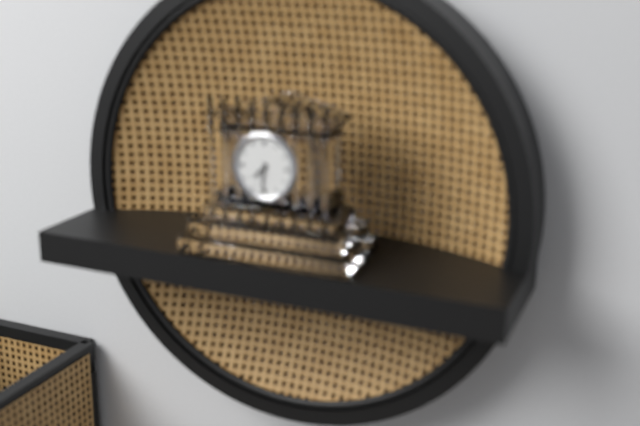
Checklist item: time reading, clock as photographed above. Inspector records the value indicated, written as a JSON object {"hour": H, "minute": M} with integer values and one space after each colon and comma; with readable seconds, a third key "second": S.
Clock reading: {"hour": 7, "minute": 31}
